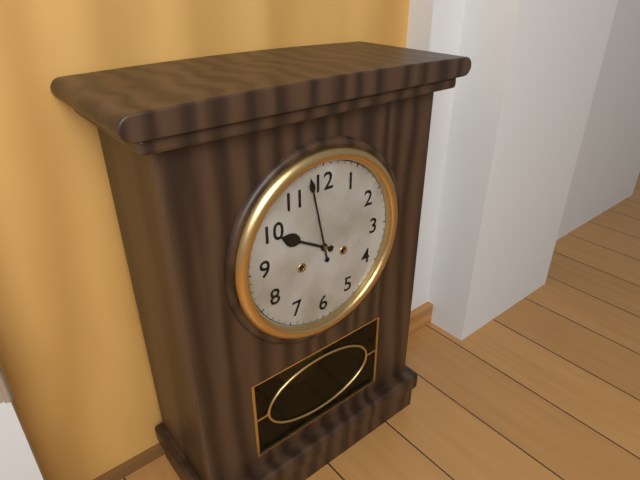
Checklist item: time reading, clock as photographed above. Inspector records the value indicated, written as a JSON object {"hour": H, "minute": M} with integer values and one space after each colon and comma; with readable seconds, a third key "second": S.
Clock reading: {"hour": 9, "minute": 58}
